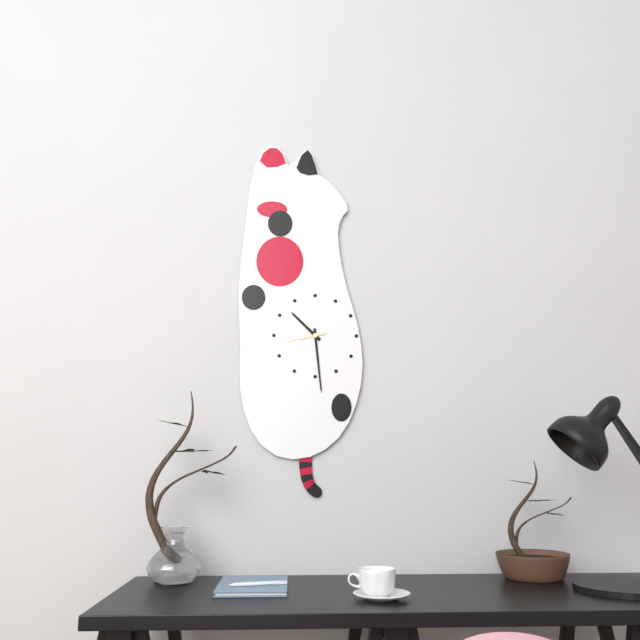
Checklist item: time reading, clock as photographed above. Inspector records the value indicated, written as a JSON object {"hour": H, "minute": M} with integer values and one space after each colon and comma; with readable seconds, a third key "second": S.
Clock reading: {"hour": 10, "minute": 29}
